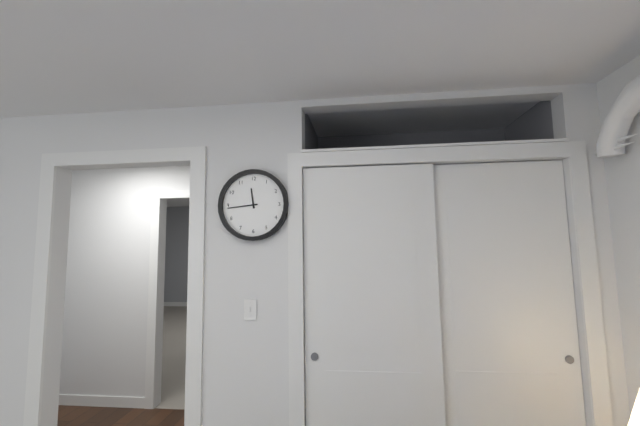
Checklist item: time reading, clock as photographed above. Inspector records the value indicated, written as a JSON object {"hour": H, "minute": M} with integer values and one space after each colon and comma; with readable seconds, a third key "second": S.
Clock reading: {"hour": 11, "minute": 44}
